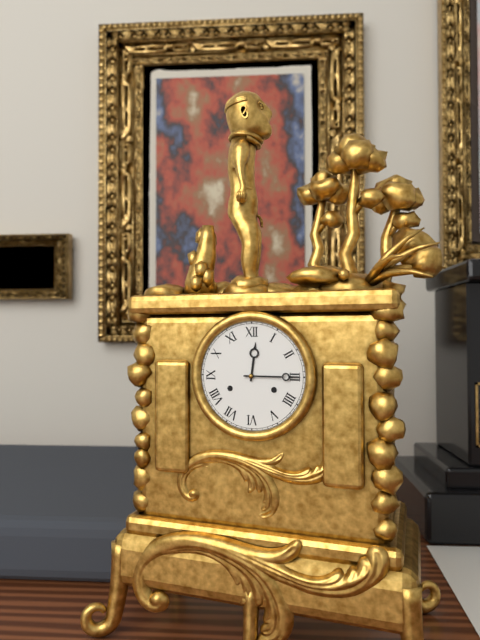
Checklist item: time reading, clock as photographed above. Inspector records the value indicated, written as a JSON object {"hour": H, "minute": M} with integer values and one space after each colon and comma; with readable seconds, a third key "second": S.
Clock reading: {"hour": 12, "minute": 15}
